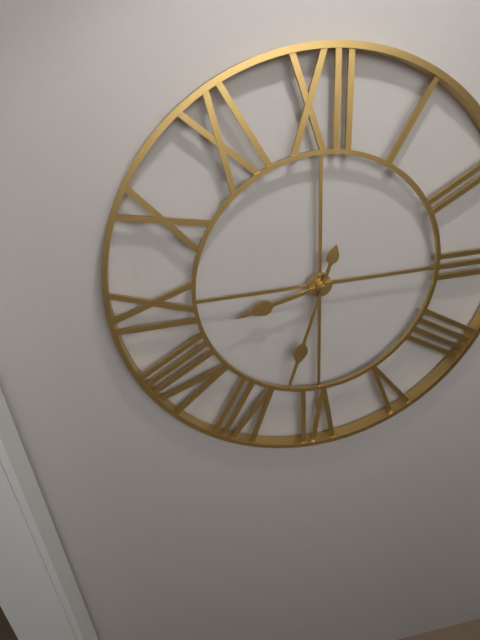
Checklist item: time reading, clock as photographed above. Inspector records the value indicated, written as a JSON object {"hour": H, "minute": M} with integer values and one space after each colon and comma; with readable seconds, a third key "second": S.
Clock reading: {"hour": 8, "minute": 33}
